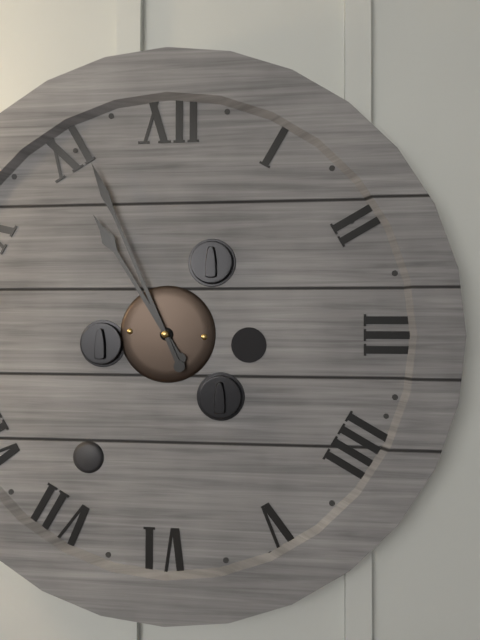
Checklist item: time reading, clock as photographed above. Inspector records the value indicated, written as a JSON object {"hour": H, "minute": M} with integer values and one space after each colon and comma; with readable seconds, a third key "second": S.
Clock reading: {"hour": 10, "minute": 56}
